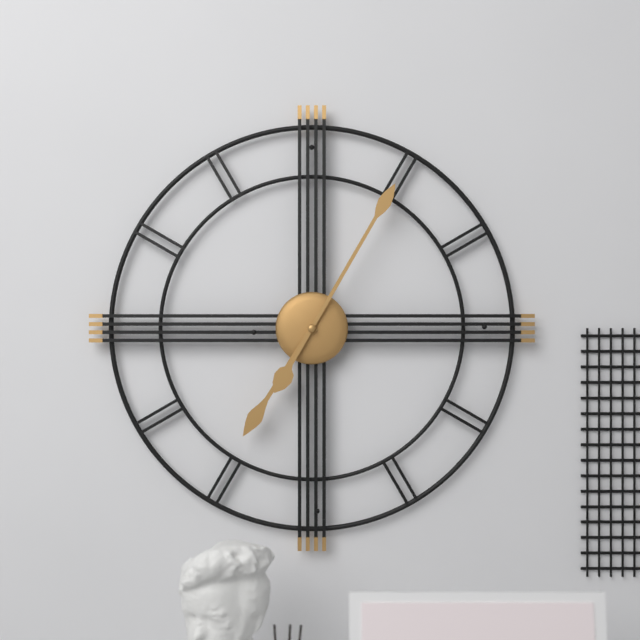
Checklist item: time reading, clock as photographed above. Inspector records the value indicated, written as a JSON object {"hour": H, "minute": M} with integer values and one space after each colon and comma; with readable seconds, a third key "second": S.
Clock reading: {"hour": 7, "minute": 5}
